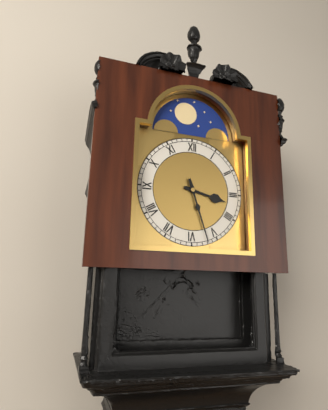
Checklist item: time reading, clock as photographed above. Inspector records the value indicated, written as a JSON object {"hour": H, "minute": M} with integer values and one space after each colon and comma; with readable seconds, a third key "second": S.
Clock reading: {"hour": 3, "minute": 27}
